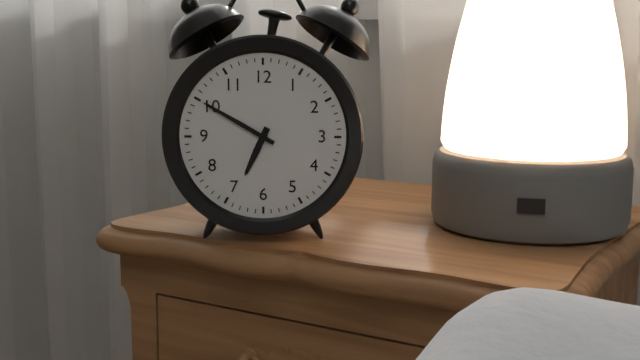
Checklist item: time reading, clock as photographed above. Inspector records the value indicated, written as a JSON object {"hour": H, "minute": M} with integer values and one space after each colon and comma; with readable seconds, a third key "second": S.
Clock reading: {"hour": 6, "minute": 50}
